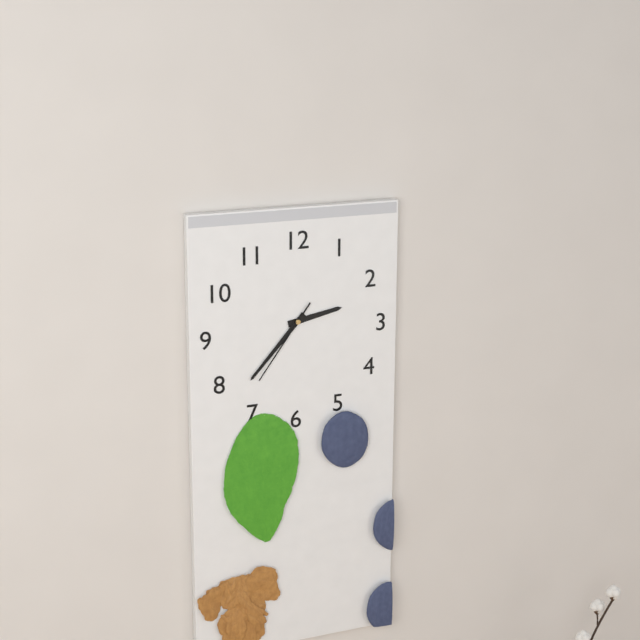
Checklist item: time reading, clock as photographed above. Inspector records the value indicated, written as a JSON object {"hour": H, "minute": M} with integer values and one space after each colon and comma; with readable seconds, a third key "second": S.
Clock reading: {"hour": 2, "minute": 37, "second": 36}
